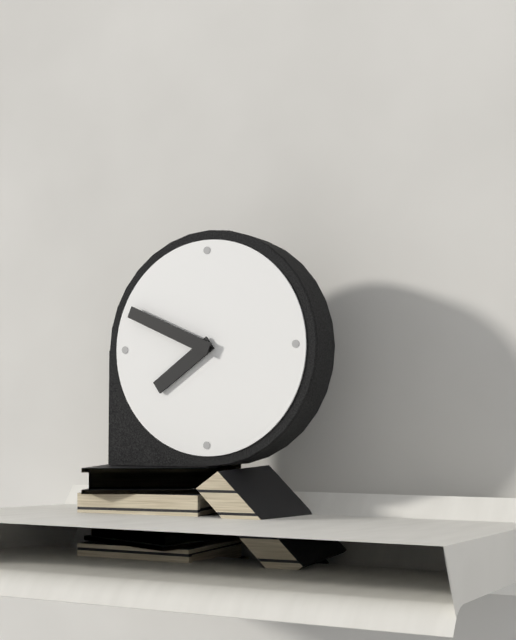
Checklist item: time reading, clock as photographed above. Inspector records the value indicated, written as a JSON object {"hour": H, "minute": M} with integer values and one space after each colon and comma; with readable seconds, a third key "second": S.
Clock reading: {"hour": 7, "minute": 49}
